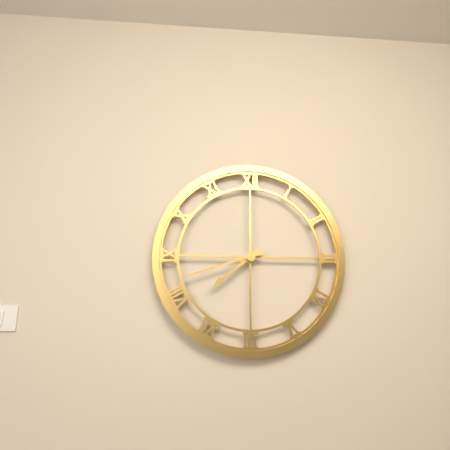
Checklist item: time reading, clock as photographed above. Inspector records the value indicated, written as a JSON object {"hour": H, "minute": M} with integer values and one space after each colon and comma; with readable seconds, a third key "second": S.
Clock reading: {"hour": 7, "minute": 42}
